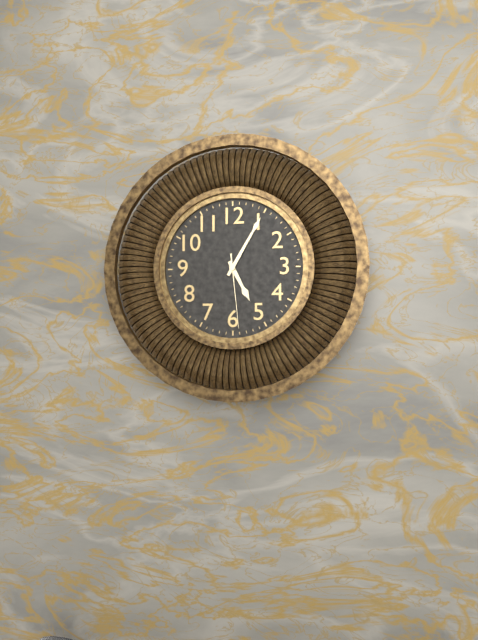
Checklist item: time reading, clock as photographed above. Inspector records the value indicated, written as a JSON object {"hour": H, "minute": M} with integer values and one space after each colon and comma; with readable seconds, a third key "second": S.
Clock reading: {"hour": 5, "minute": 5, "second": 29}
